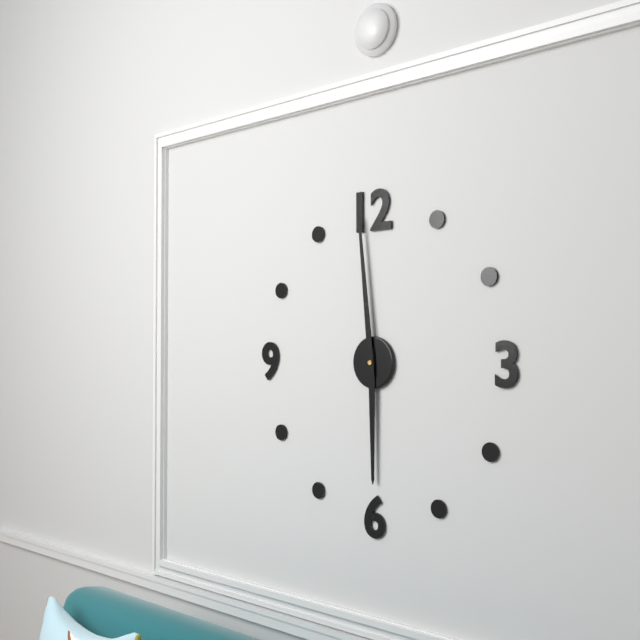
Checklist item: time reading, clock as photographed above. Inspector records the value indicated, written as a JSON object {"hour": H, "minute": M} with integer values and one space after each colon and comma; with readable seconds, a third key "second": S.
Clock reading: {"hour": 5, "minute": 59}
